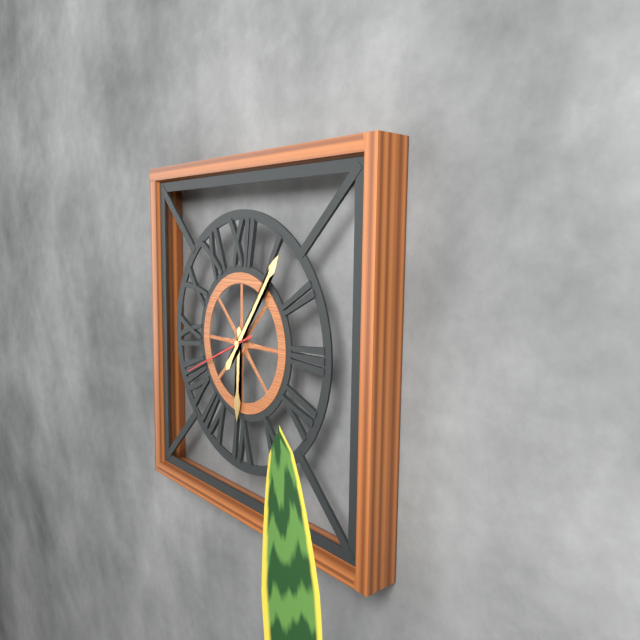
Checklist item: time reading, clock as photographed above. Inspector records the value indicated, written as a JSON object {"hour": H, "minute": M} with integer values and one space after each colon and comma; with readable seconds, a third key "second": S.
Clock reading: {"hour": 6, "minute": 6, "second": 41}
